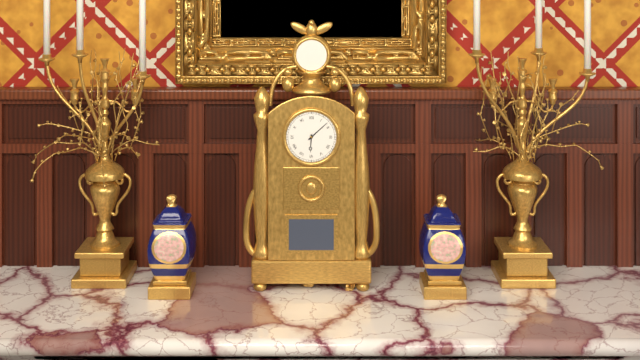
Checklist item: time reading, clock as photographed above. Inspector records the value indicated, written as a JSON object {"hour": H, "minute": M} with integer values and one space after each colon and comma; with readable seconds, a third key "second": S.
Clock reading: {"hour": 6, "minute": 8}
